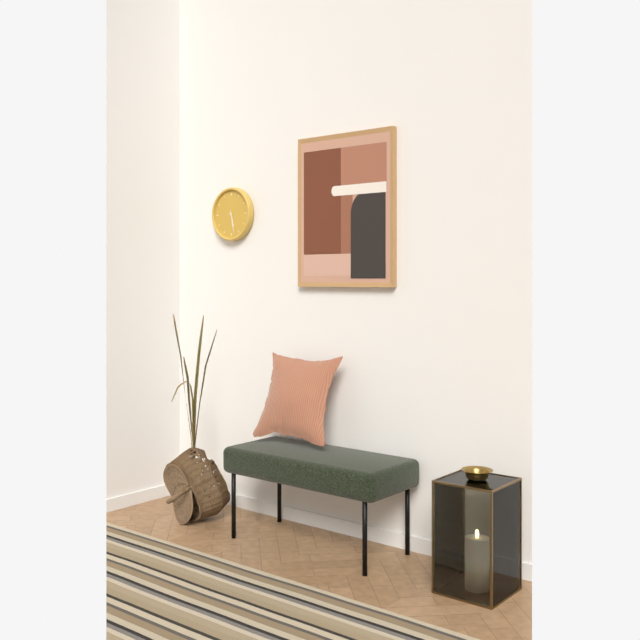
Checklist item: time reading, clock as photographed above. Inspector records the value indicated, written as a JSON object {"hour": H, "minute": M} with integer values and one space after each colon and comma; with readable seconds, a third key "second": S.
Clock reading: {"hour": 5, "minute": 28}
